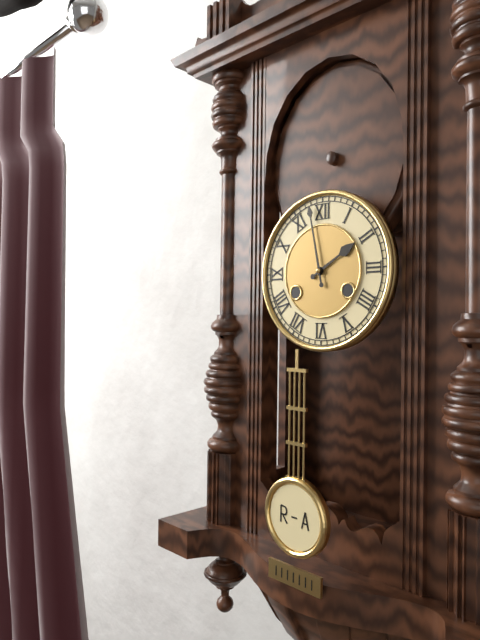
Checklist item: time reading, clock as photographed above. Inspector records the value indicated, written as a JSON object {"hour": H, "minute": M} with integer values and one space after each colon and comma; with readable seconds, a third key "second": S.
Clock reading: {"hour": 1, "minute": 58}
